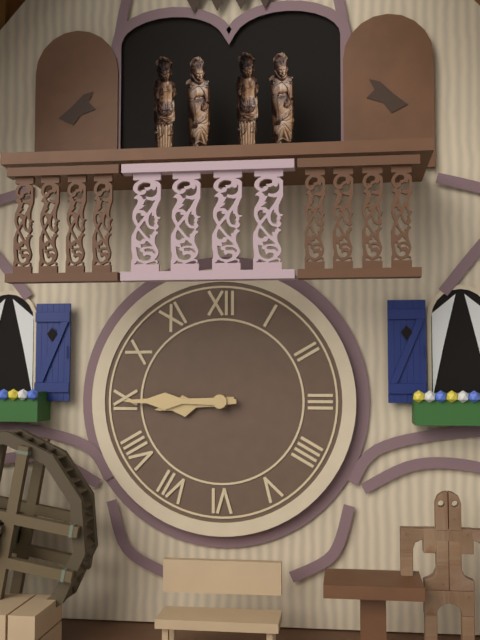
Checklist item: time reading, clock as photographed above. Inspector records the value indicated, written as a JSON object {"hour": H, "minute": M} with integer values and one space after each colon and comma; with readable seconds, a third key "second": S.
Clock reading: {"hour": 8, "minute": 45}
